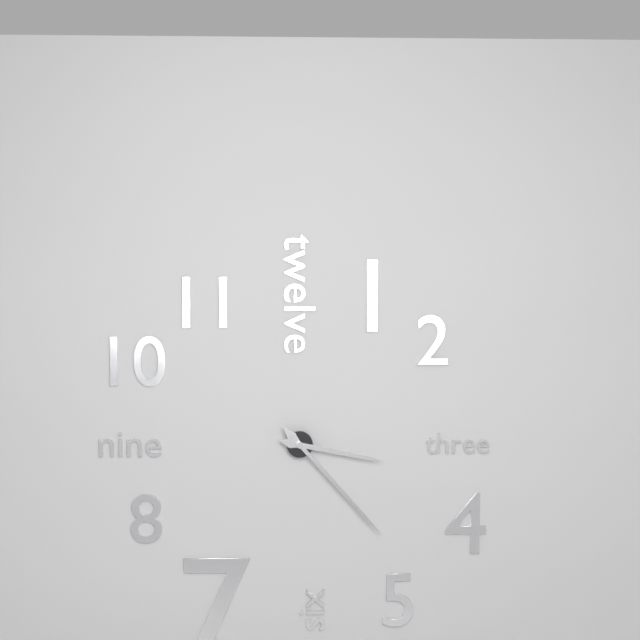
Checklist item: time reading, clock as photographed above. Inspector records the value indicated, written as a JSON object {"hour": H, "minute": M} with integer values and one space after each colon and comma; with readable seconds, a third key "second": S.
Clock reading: {"hour": 3, "minute": 23}
